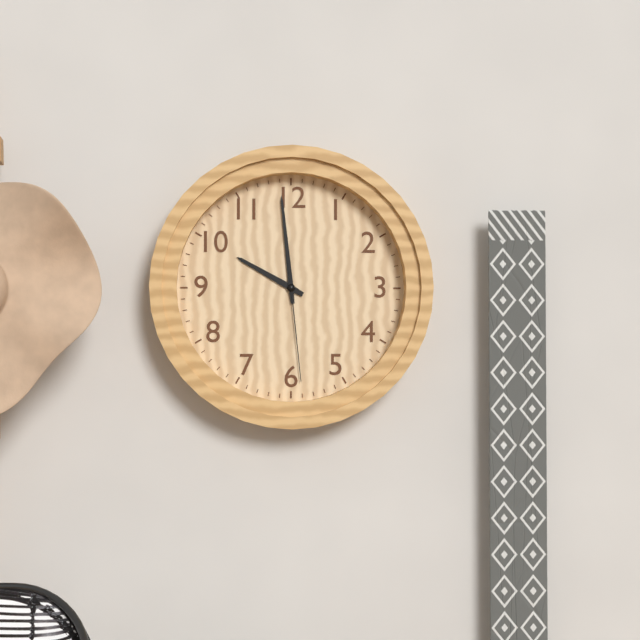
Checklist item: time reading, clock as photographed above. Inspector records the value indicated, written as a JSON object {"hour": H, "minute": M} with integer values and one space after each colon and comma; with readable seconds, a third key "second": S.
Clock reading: {"hour": 9, "minute": 59, "second": 29}
